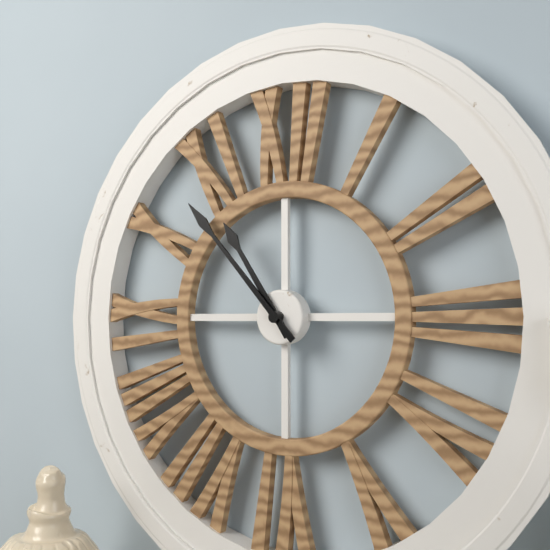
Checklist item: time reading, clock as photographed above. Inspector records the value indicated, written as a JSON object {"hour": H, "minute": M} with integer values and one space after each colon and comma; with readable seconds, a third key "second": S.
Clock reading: {"hour": 10, "minute": 53}
